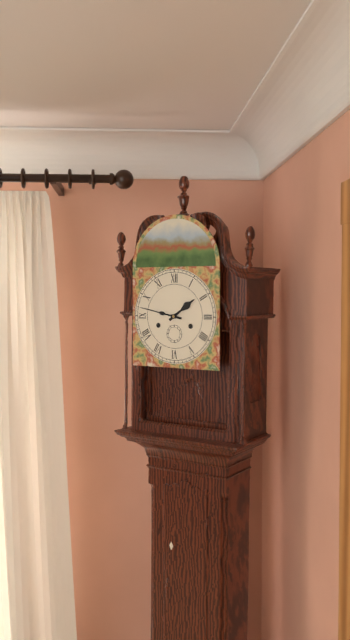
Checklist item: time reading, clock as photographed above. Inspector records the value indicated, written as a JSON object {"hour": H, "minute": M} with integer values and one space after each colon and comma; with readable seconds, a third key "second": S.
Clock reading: {"hour": 1, "minute": 47}
